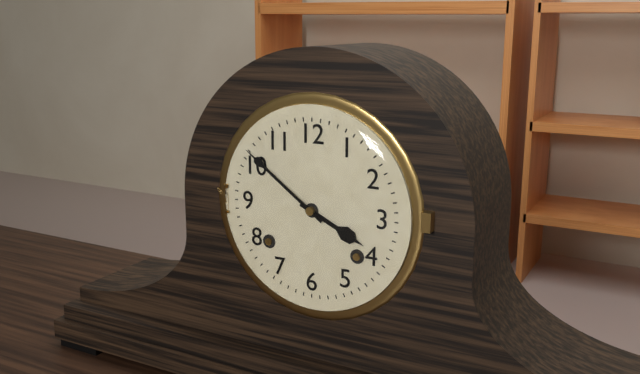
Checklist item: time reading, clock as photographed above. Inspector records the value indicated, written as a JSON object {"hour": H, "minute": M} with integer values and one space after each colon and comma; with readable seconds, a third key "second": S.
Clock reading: {"hour": 3, "minute": 51}
